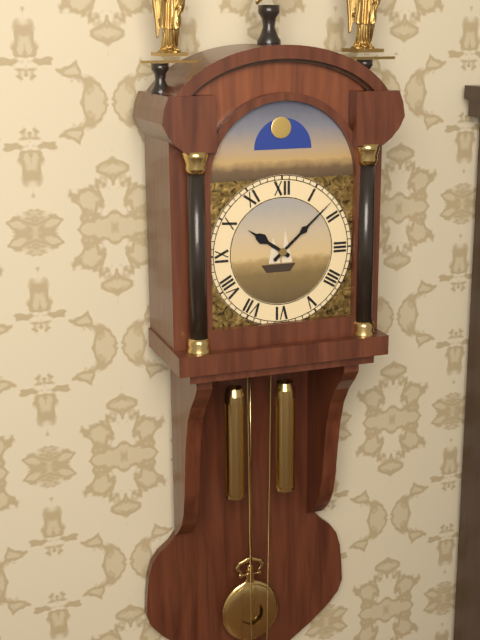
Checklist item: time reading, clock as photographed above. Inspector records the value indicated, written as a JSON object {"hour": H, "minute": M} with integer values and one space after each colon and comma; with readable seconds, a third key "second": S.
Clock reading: {"hour": 10, "minute": 8}
